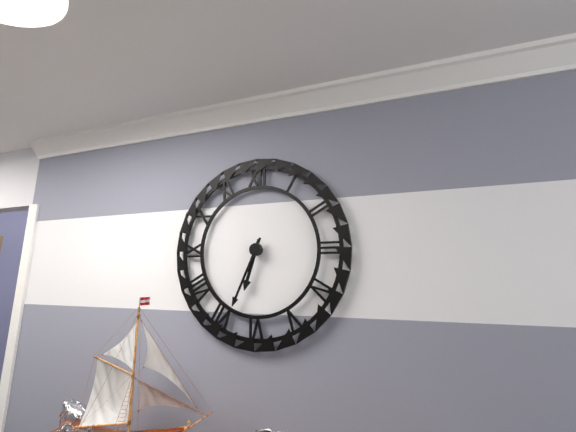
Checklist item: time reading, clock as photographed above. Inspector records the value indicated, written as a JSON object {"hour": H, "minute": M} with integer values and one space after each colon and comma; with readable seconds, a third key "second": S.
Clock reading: {"hour": 6, "minute": 34}
